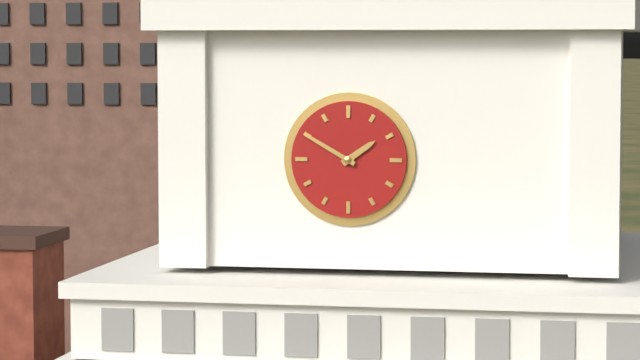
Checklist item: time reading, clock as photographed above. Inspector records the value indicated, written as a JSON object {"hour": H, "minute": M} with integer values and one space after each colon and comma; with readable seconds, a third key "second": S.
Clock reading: {"hour": 1, "minute": 50}
